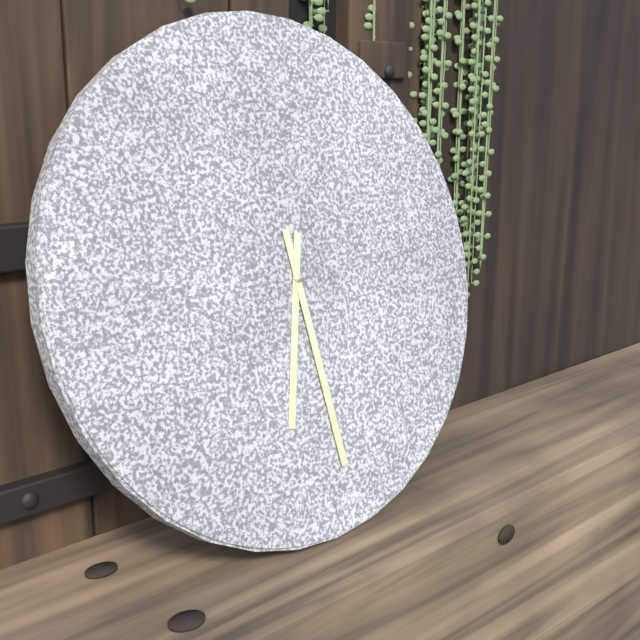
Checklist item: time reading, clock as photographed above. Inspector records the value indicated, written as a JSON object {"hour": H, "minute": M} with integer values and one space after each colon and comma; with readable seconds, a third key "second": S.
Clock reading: {"hour": 6, "minute": 29}
